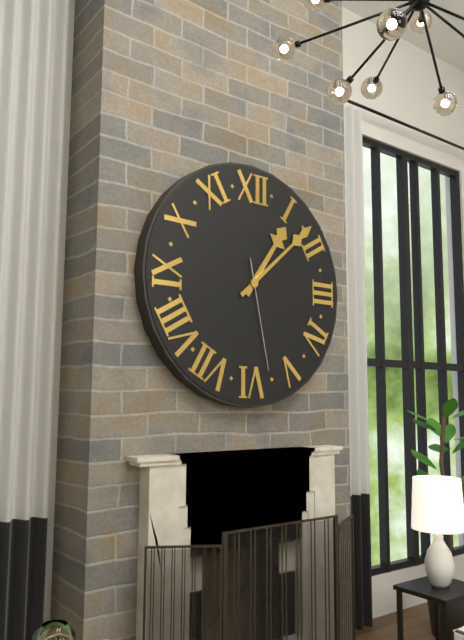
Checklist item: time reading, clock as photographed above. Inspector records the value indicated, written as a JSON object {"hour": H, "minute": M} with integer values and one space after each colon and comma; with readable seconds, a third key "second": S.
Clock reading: {"hour": 1, "minute": 8, "second": 28}
